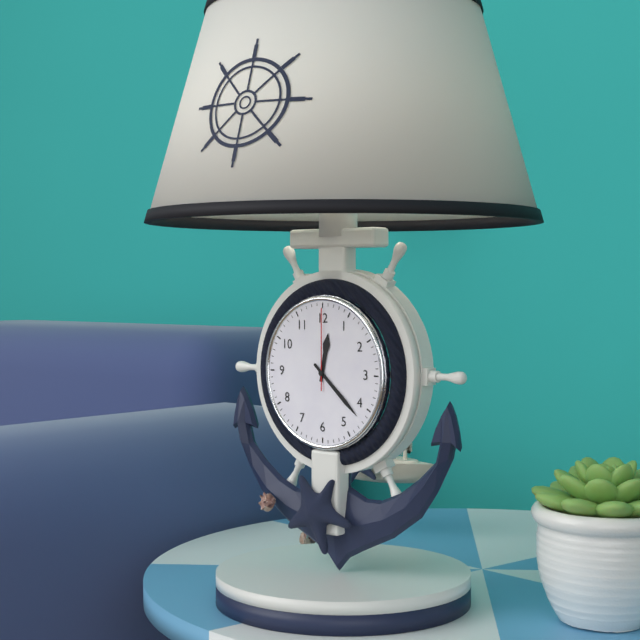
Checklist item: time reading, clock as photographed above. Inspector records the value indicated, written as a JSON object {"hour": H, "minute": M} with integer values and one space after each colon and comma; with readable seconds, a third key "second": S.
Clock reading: {"hour": 12, "minute": 22, "second": 0}
